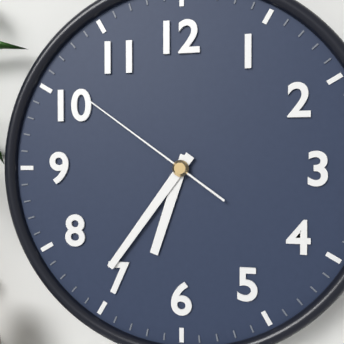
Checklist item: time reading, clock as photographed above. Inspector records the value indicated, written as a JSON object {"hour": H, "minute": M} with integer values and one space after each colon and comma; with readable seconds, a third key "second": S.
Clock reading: {"hour": 6, "minute": 36, "second": 51}
